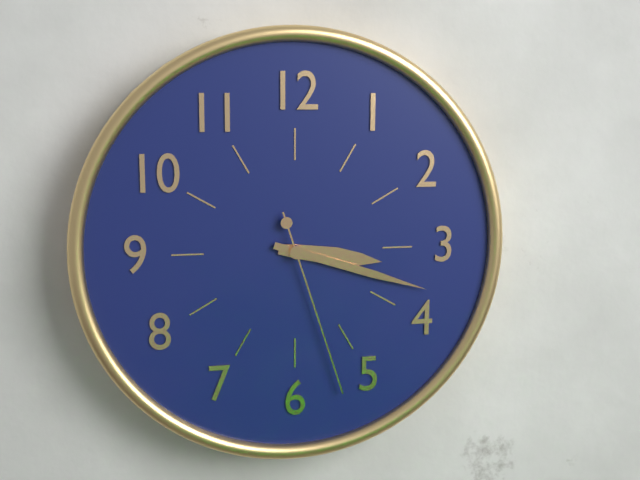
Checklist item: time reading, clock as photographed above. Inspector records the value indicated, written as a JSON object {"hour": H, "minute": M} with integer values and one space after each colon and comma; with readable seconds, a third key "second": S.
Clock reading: {"hour": 3, "minute": 18, "second": 27}
